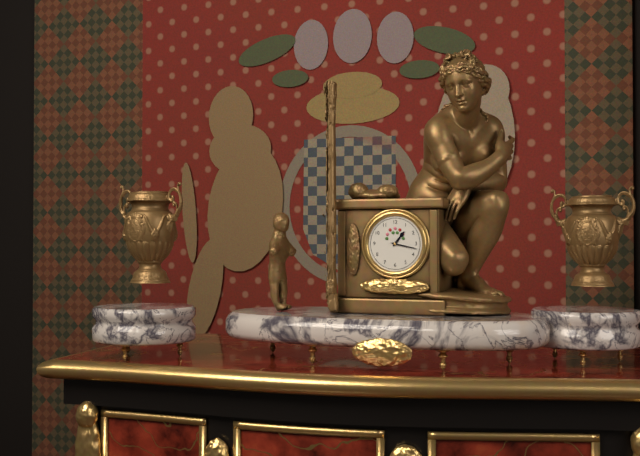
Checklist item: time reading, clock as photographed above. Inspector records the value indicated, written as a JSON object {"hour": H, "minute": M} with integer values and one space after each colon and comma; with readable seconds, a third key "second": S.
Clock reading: {"hour": 1, "minute": 17}
